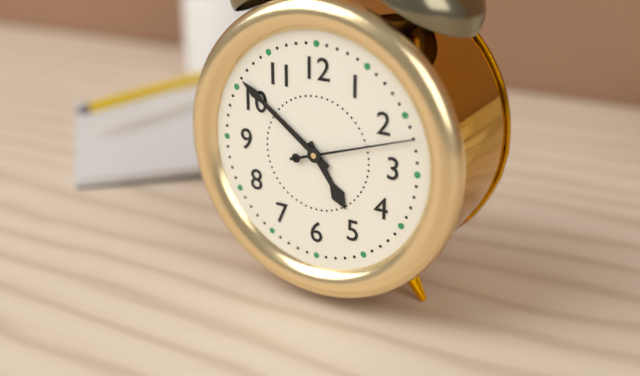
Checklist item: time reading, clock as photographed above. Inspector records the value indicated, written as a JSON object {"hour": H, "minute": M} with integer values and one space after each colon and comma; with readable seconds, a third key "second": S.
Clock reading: {"hour": 4, "minute": 51, "second": 12}
